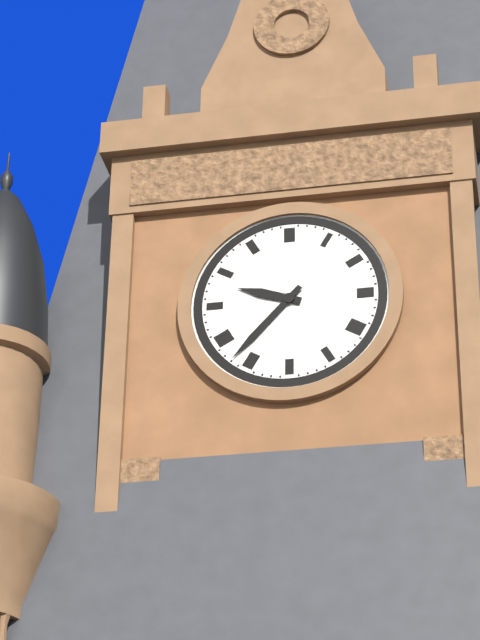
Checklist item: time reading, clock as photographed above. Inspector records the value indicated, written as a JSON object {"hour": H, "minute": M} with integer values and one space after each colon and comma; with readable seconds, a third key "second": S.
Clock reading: {"hour": 9, "minute": 37}
